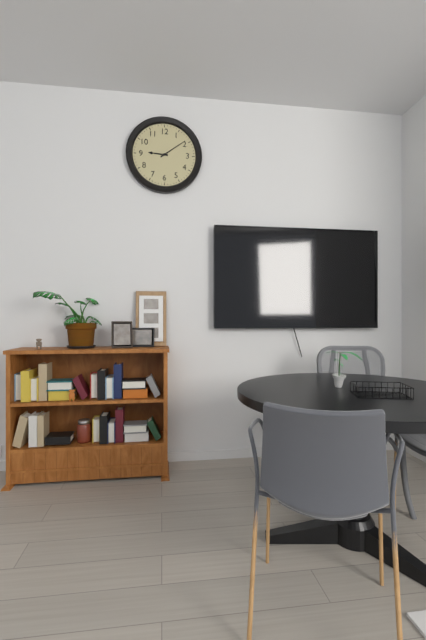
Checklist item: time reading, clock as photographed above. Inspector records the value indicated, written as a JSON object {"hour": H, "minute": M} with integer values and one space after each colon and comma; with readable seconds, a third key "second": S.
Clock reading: {"hour": 9, "minute": 9}
